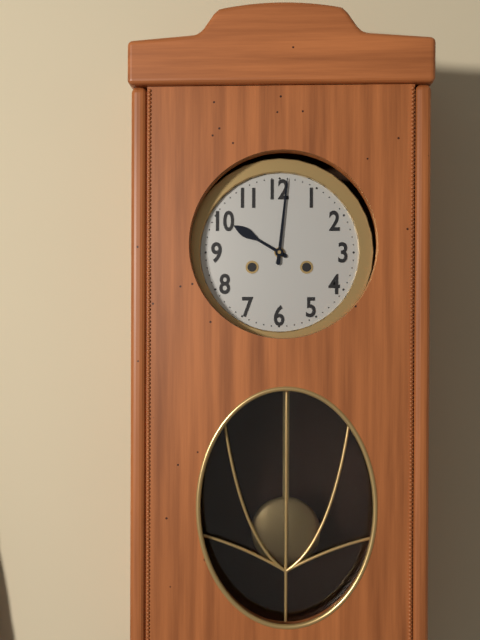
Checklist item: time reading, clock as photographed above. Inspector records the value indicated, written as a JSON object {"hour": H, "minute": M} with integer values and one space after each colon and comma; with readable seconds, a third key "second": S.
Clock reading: {"hour": 10, "minute": 1}
